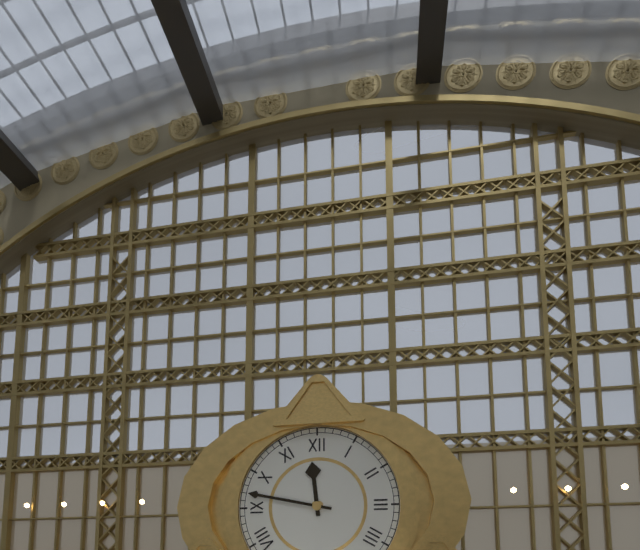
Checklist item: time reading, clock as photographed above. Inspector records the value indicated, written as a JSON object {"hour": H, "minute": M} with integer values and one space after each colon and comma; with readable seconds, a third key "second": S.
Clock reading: {"hour": 11, "minute": 47}
